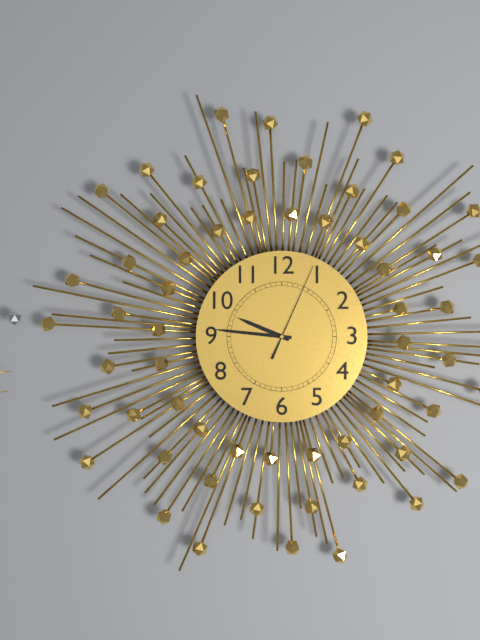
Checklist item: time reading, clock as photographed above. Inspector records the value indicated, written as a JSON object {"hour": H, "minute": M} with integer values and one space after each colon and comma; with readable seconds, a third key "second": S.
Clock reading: {"hour": 9, "minute": 46, "second": 4}
